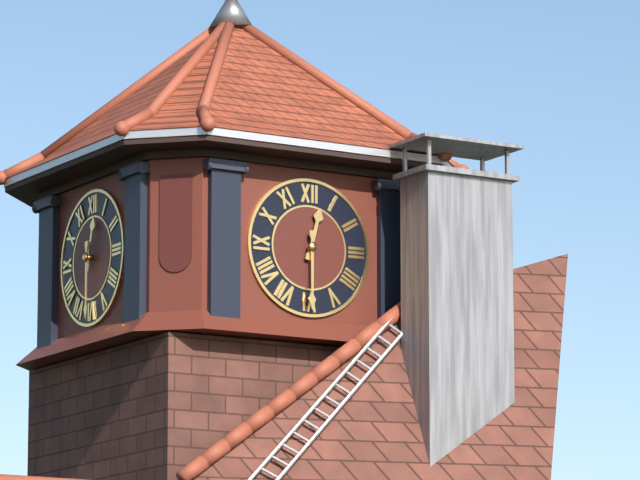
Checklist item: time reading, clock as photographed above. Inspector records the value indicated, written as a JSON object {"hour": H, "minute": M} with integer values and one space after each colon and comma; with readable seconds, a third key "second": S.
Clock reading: {"hour": 12, "minute": 30}
